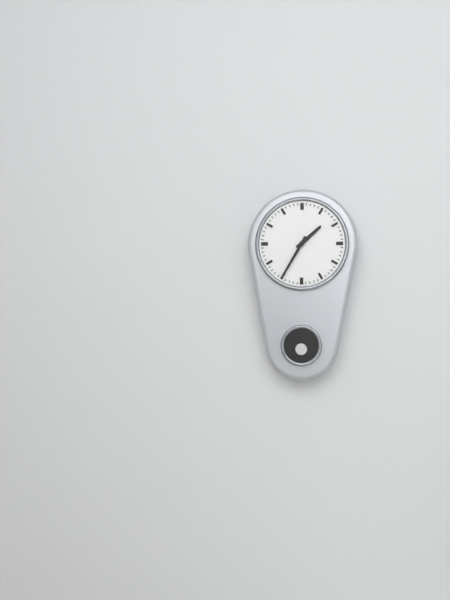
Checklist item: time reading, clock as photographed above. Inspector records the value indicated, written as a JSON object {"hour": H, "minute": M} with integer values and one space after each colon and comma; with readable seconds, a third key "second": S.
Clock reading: {"hour": 1, "minute": 35}
